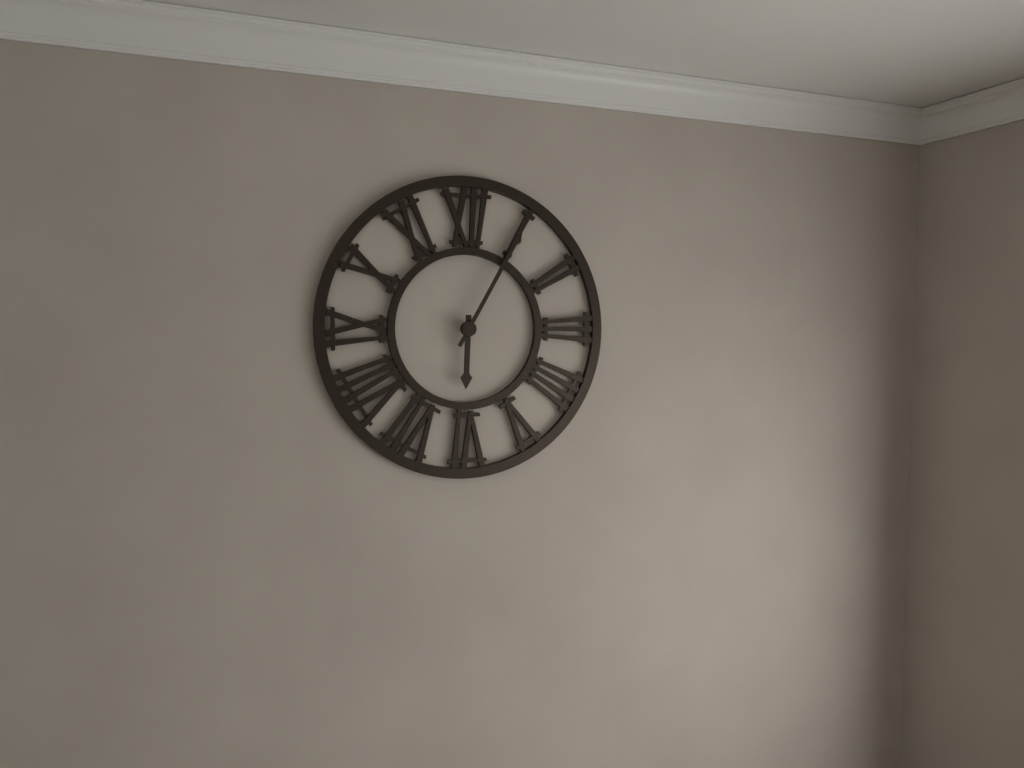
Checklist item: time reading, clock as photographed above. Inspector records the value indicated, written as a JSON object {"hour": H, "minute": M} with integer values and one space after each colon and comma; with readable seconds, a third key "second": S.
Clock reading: {"hour": 6, "minute": 5}
